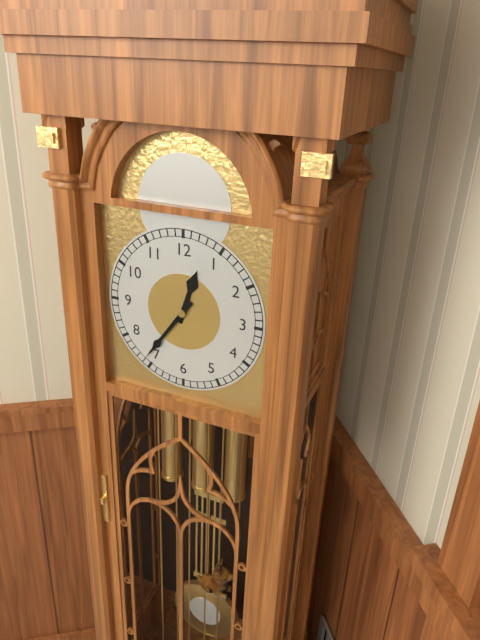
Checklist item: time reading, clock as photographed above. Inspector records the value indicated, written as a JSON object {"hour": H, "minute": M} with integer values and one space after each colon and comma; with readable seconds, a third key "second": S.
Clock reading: {"hour": 12, "minute": 36}
